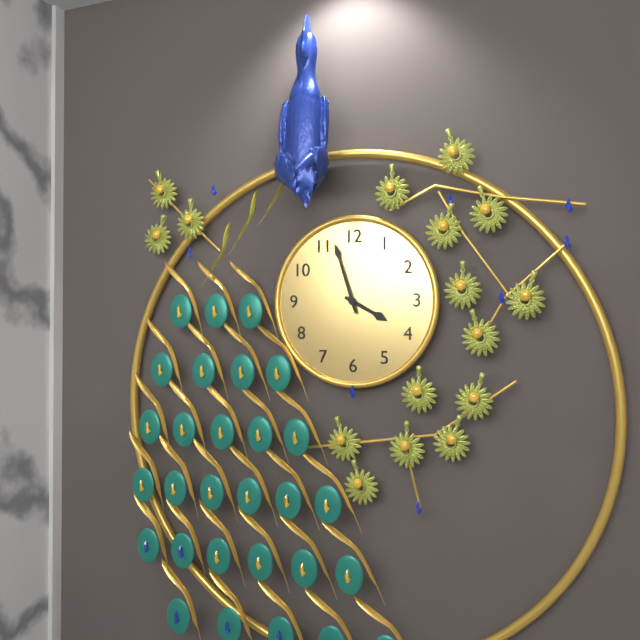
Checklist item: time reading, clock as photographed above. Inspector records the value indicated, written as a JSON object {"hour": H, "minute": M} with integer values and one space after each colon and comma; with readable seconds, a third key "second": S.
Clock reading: {"hour": 3, "minute": 57}
